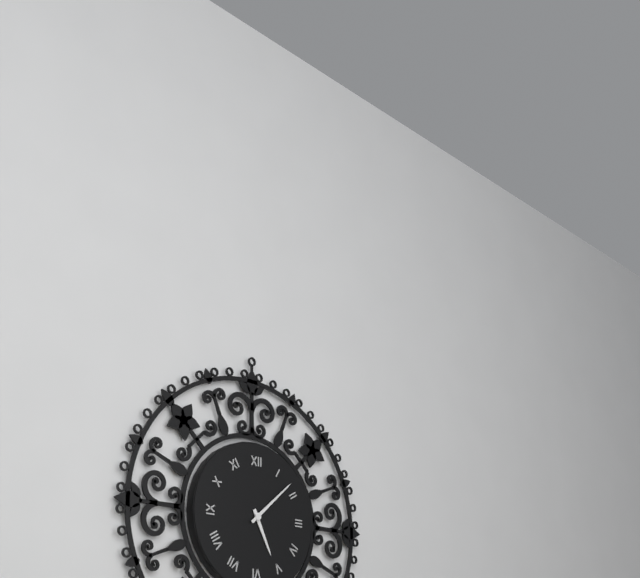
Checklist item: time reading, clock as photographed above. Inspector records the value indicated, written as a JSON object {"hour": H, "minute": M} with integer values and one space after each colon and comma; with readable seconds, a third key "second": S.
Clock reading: {"hour": 5, "minute": 8}
